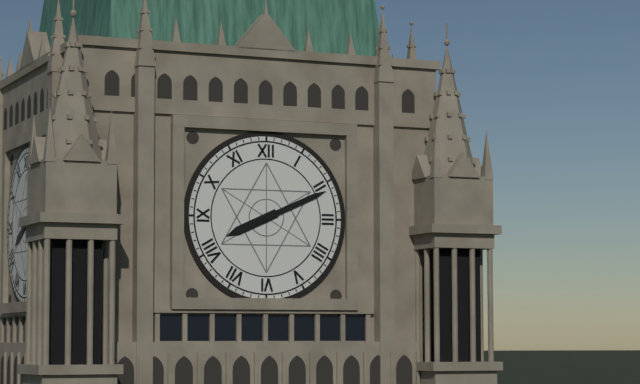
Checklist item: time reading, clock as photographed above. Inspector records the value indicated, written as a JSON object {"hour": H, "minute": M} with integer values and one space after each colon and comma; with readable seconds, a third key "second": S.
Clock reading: {"hour": 8, "minute": 11}
